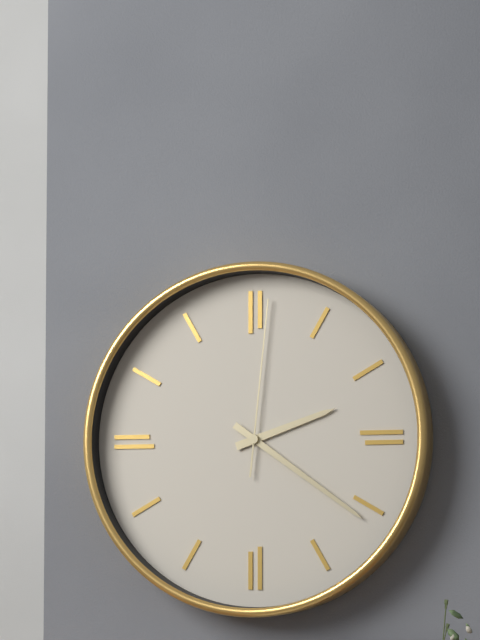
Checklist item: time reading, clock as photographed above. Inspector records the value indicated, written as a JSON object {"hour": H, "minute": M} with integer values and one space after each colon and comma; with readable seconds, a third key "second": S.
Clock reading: {"hour": 2, "minute": 21, "second": 1}
